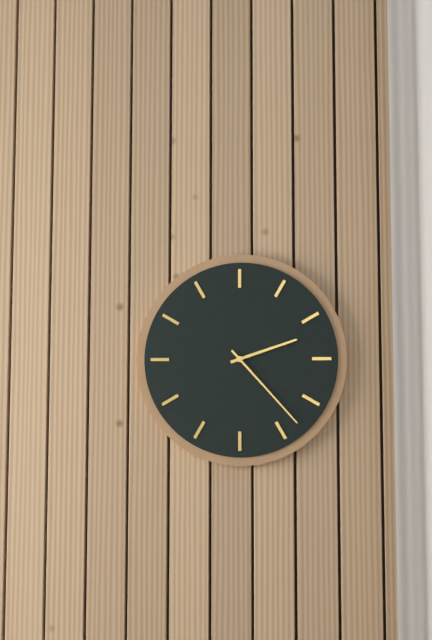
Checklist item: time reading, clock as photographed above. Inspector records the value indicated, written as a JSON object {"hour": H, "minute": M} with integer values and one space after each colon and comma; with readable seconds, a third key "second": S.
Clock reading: {"hour": 2, "minute": 23}
